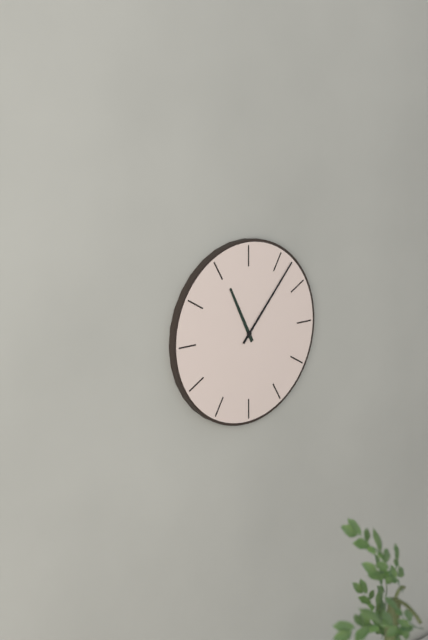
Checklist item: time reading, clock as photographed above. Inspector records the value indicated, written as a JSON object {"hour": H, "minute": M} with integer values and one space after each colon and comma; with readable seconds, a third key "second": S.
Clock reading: {"hour": 11, "minute": 7}
